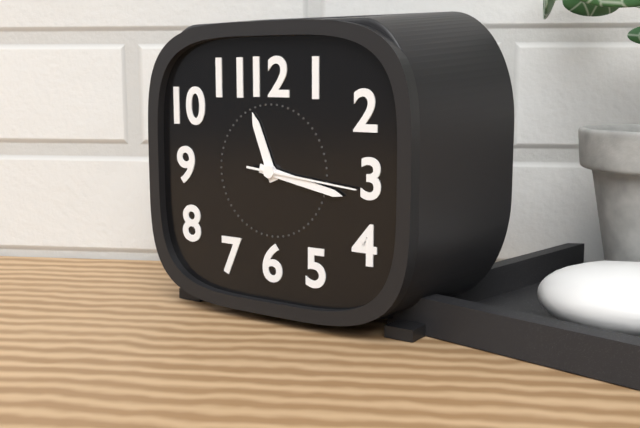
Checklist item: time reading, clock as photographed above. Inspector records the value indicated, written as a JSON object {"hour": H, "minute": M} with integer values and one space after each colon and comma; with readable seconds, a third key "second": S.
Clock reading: {"hour": 11, "minute": 17, "second": 16}
